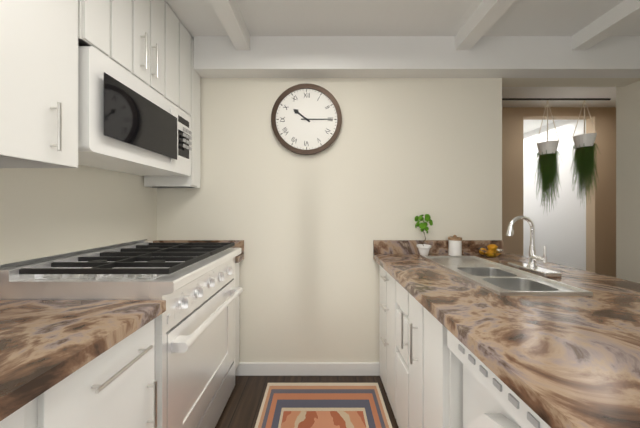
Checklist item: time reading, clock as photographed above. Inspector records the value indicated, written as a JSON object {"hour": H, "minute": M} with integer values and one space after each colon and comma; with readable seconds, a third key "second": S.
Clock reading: {"hour": 10, "minute": 15}
